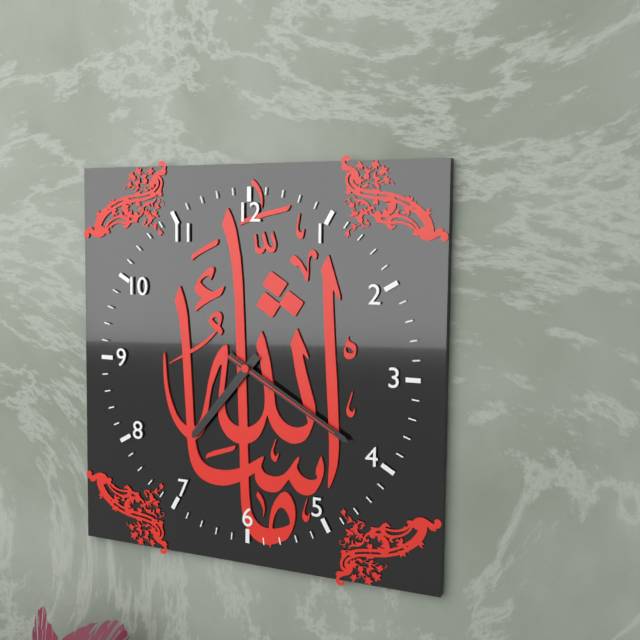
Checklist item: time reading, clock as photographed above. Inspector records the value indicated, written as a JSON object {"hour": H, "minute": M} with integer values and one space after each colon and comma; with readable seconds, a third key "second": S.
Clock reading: {"hour": 7, "minute": 20, "second": 20}
